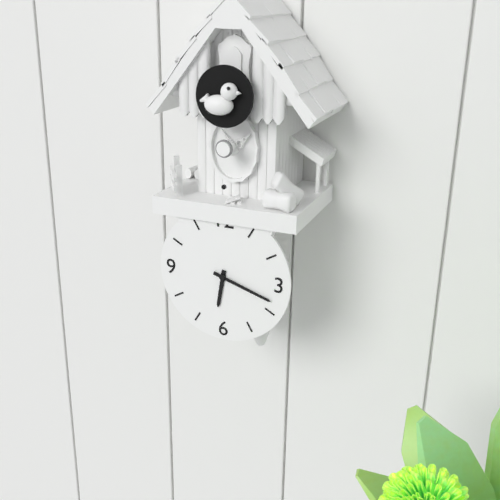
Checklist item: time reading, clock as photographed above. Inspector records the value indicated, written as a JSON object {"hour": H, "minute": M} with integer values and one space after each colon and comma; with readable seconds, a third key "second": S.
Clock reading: {"hour": 6, "minute": 18}
